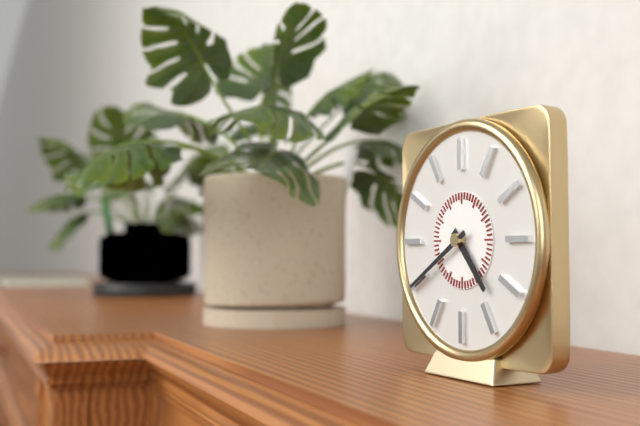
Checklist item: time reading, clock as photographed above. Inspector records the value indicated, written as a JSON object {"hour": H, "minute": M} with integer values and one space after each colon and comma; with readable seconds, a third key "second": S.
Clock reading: {"hour": 4, "minute": 40}
